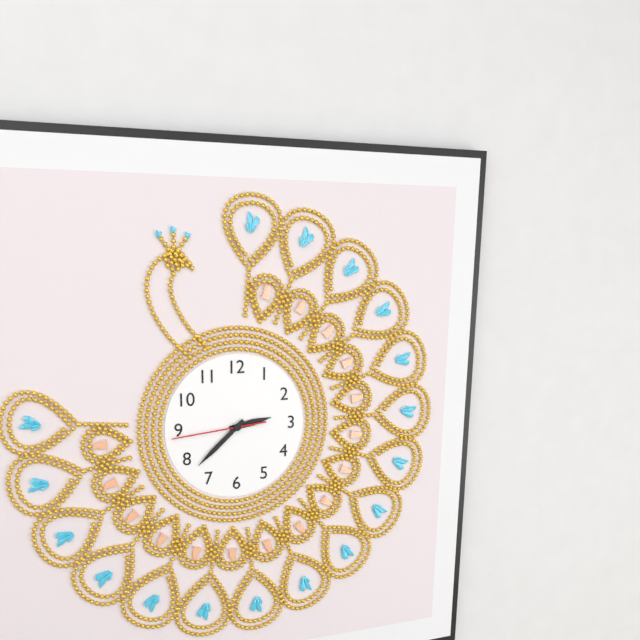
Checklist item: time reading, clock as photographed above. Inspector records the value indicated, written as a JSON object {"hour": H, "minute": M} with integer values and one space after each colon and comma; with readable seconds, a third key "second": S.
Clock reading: {"hour": 2, "minute": 38, "second": 44}
